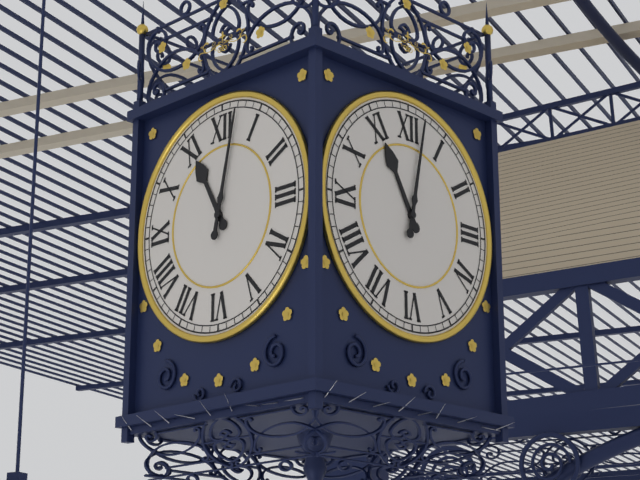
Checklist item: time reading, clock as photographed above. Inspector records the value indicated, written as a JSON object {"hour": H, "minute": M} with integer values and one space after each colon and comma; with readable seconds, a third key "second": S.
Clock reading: {"hour": 11, "minute": 2}
